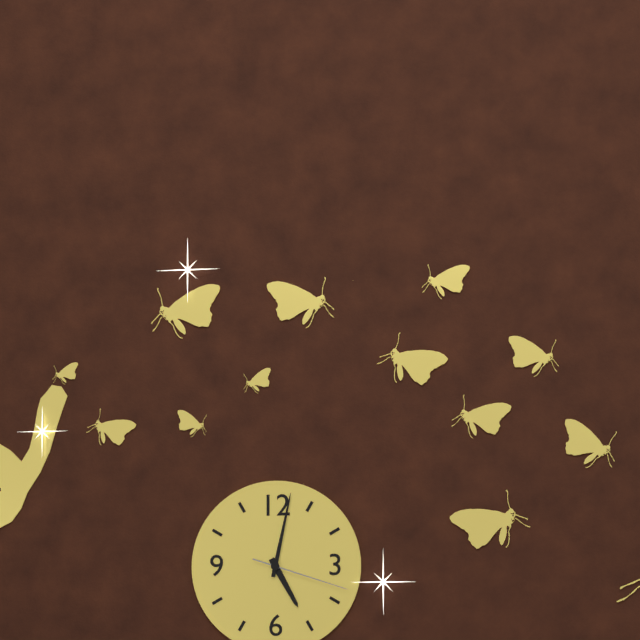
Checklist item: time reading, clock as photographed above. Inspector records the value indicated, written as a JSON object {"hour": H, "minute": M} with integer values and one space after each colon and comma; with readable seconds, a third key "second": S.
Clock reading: {"hour": 5, "minute": 2, "second": 18}
